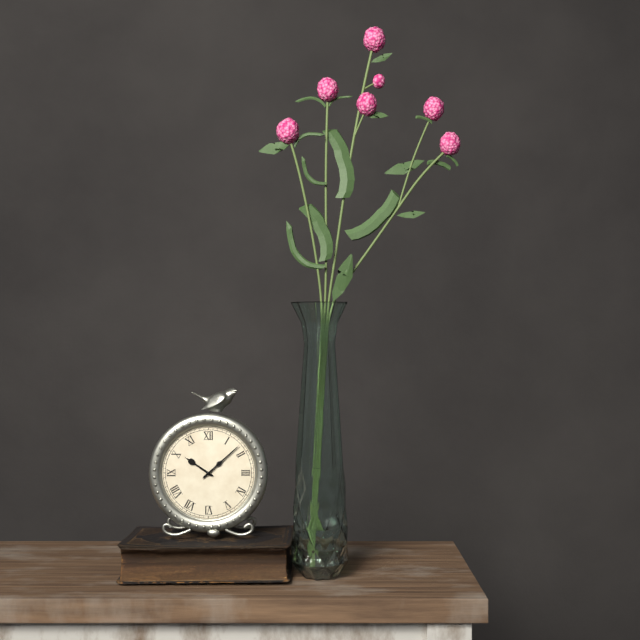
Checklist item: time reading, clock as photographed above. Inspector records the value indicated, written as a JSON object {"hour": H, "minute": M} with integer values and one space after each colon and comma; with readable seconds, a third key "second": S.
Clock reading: {"hour": 10, "minute": 8}
